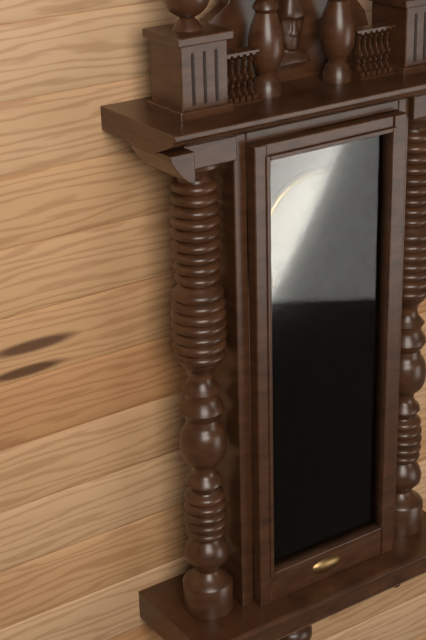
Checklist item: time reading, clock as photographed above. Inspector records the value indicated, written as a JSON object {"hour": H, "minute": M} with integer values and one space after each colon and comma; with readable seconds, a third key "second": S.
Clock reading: {"hour": 6, "minute": 8}
